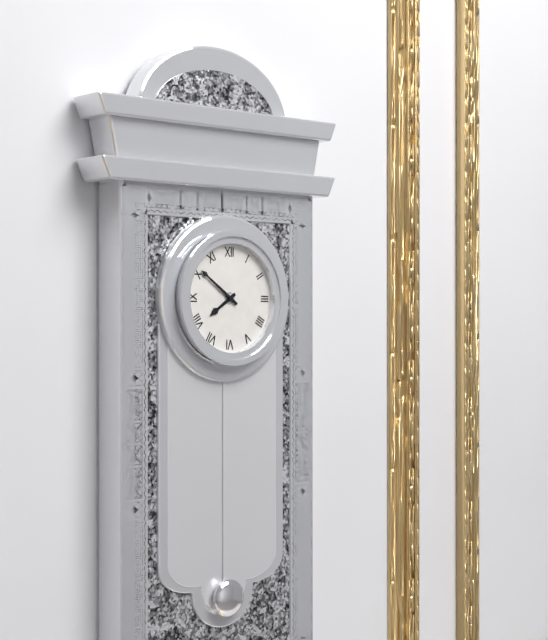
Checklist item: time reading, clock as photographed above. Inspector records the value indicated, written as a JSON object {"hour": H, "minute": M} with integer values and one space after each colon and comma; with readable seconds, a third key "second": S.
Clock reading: {"hour": 7, "minute": 51}
